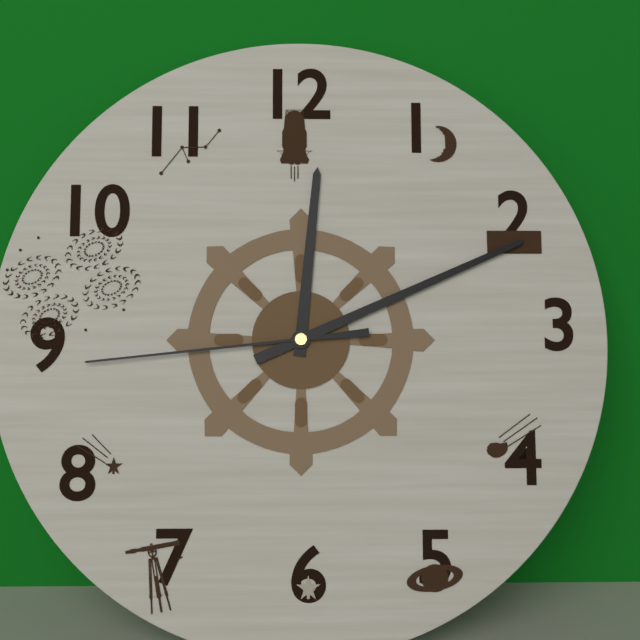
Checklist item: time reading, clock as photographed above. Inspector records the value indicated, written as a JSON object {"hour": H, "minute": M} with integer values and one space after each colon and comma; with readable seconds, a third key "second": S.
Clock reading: {"hour": 12, "minute": 11, "second": 44}
